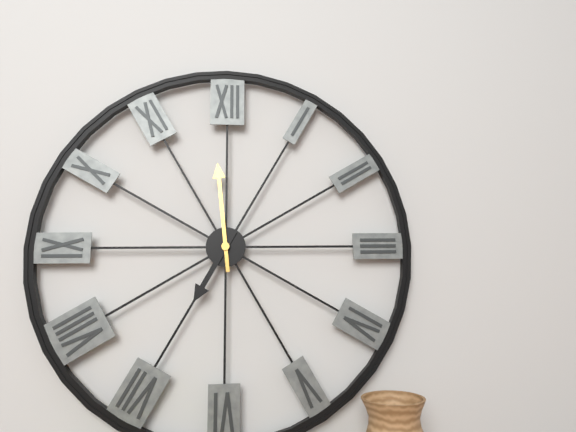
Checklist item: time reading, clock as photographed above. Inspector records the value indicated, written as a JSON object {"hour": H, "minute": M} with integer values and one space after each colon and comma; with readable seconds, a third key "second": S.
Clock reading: {"hour": 6, "minute": 59}
